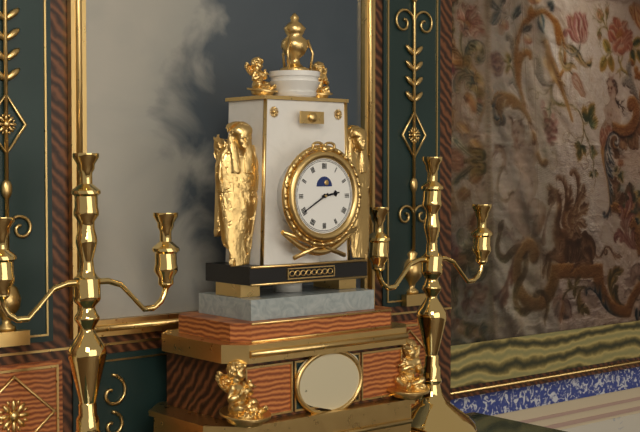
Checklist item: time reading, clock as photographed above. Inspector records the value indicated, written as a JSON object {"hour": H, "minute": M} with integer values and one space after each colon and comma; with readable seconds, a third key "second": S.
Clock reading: {"hour": 2, "minute": 40}
